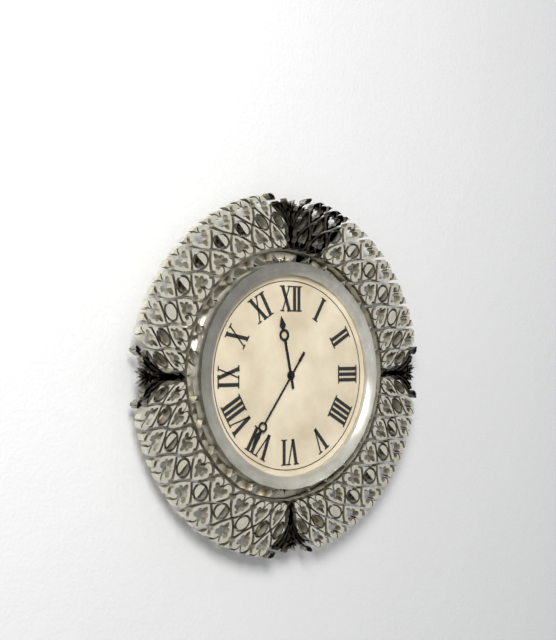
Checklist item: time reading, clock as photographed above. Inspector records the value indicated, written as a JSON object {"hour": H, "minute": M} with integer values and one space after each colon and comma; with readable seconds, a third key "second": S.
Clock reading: {"hour": 11, "minute": 36}
